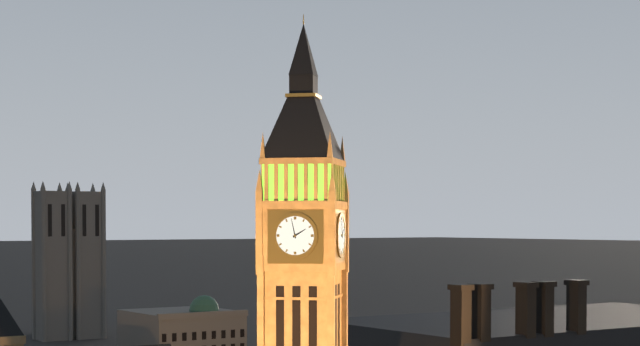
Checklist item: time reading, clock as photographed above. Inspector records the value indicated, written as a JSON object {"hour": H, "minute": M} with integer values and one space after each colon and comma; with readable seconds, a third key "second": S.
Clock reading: {"hour": 1, "minute": 58}
